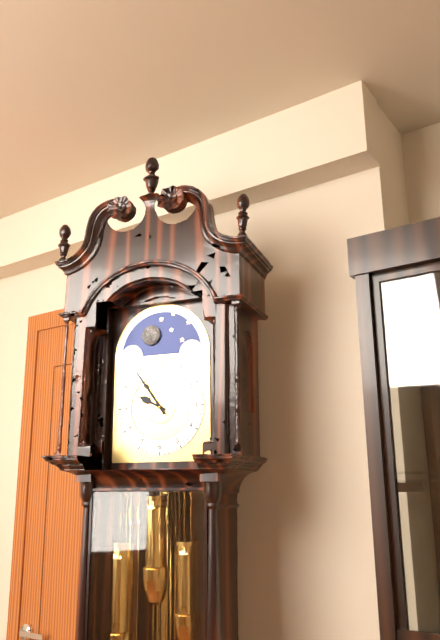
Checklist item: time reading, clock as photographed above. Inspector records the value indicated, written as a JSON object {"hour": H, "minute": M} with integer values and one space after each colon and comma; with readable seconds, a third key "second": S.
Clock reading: {"hour": 9, "minute": 54}
